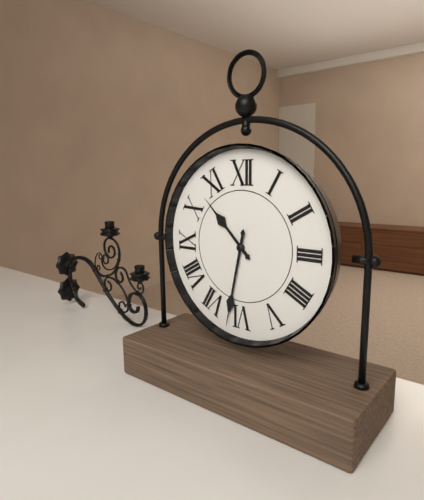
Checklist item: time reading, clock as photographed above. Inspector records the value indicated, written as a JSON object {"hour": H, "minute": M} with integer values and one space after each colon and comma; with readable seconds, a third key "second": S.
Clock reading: {"hour": 10, "minute": 32}
